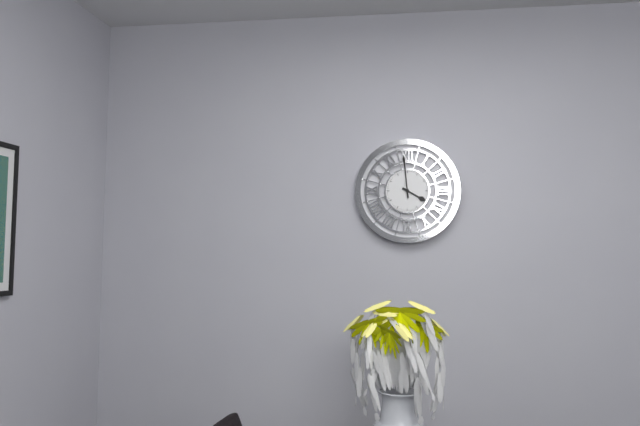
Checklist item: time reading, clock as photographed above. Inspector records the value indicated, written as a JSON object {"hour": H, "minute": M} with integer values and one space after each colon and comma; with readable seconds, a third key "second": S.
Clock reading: {"hour": 3, "minute": 59}
